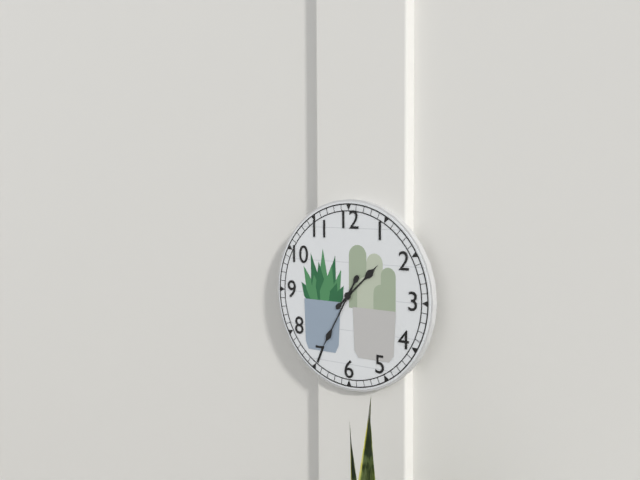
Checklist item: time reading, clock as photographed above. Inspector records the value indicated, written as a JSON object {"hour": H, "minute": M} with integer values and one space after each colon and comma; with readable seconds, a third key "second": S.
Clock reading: {"hour": 1, "minute": 35}
